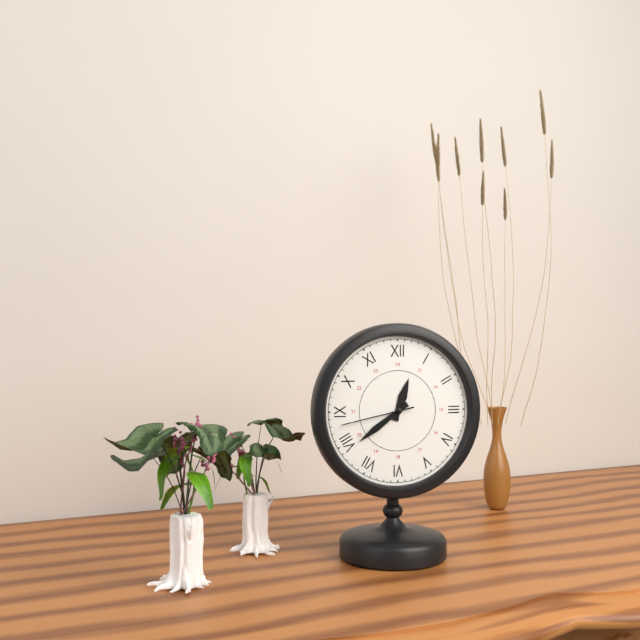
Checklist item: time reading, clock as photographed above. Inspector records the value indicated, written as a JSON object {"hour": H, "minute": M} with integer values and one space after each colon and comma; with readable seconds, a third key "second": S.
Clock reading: {"hour": 12, "minute": 39, "second": 43}
